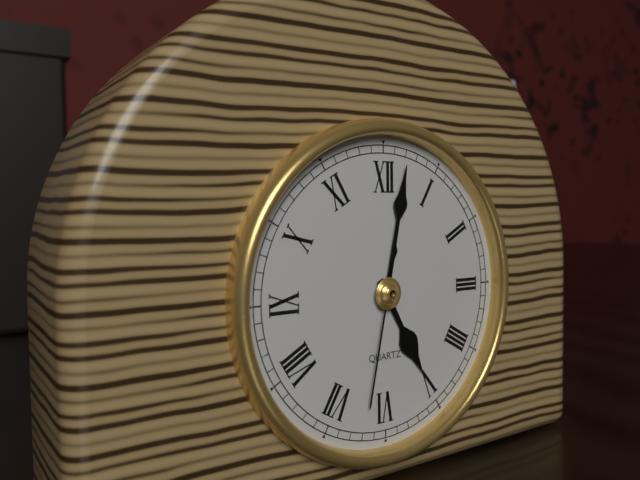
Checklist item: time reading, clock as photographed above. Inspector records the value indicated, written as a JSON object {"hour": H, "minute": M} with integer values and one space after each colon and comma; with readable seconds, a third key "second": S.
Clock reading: {"hour": 5, "minute": 2, "second": 32}
